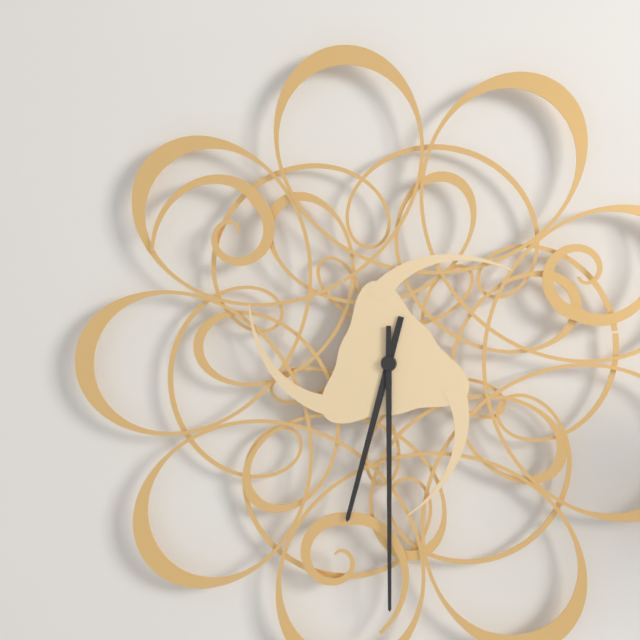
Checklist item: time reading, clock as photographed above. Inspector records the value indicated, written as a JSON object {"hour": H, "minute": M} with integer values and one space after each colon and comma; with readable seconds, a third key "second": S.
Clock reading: {"hour": 6, "minute": 30}
